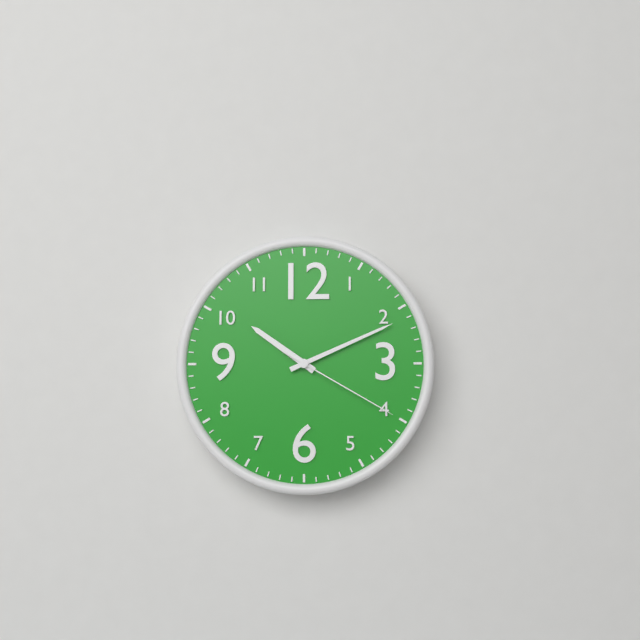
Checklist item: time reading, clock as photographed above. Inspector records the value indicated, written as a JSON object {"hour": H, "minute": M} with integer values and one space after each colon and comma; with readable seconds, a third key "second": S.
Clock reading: {"hour": 10, "minute": 11, "second": 20}
